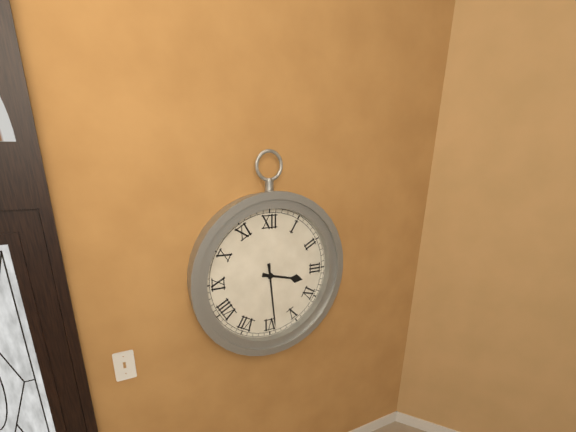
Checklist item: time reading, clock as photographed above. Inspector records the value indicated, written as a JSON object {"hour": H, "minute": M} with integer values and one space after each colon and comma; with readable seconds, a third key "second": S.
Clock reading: {"hour": 3, "minute": 29}
